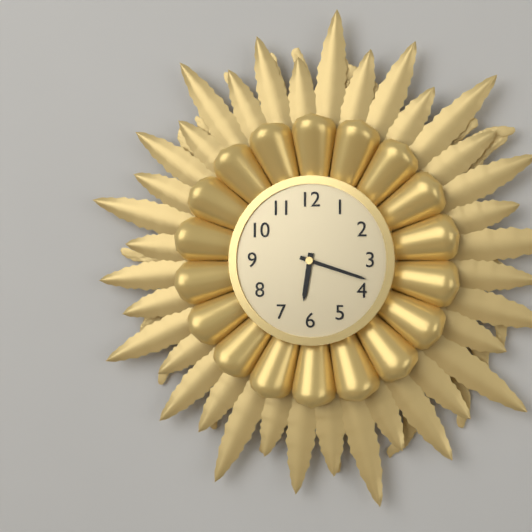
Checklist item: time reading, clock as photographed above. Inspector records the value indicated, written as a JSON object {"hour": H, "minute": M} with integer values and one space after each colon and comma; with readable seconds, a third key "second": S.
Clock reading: {"hour": 6, "minute": 18}
